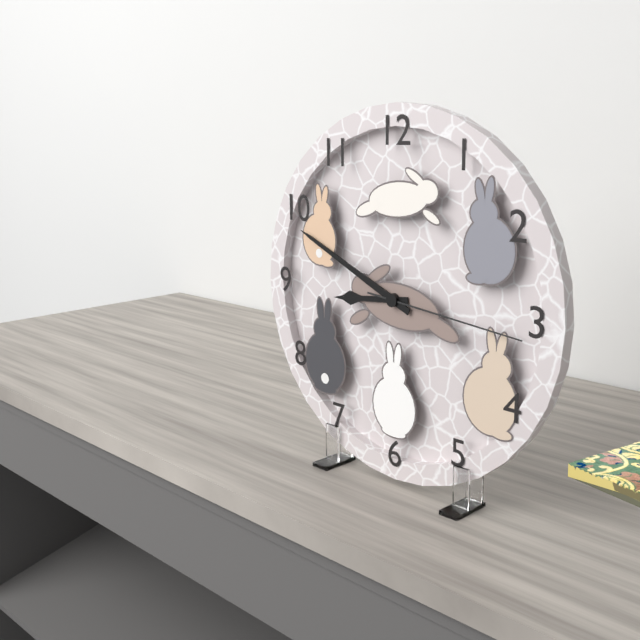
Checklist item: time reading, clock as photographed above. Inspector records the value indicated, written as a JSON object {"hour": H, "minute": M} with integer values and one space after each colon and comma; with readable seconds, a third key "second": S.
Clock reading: {"hour": 8, "minute": 49, "second": 16}
